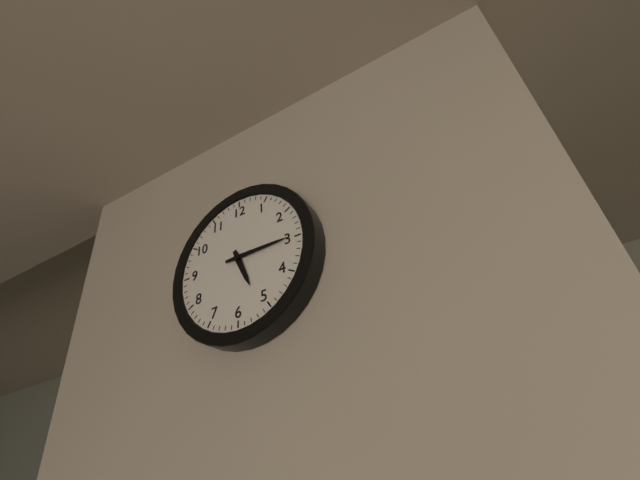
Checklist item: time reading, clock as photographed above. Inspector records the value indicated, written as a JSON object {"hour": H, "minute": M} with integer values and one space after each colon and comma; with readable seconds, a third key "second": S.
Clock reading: {"hour": 5, "minute": 15}
